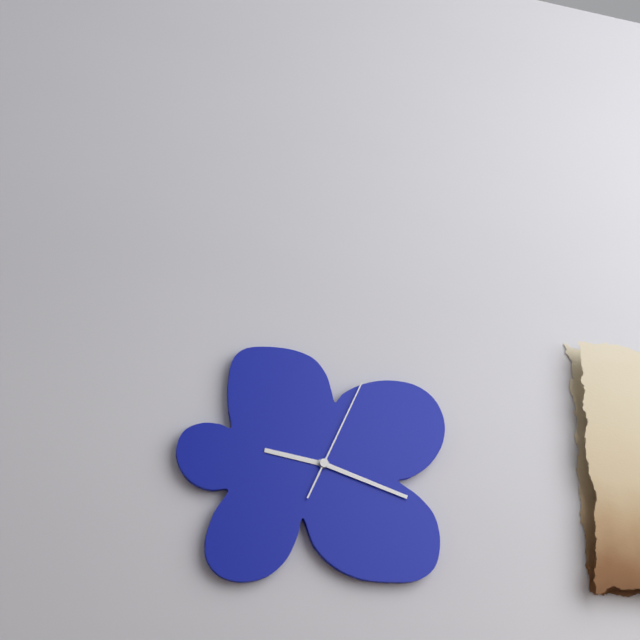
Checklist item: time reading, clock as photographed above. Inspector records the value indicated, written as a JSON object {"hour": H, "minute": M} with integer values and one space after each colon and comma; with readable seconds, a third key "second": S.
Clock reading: {"hour": 9, "minute": 18, "second": 4}
